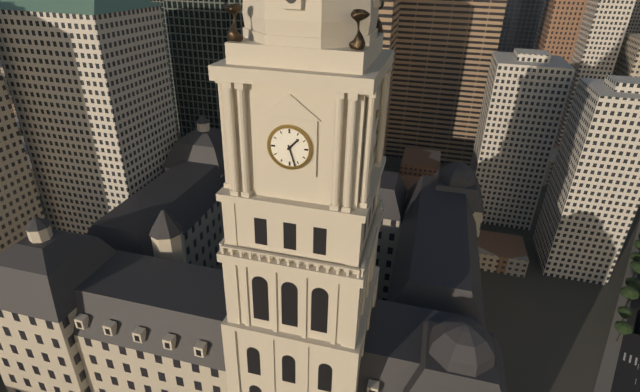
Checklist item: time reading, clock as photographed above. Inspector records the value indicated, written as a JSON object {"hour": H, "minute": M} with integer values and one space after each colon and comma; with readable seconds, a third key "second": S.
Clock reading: {"hour": 1, "minute": 27}
